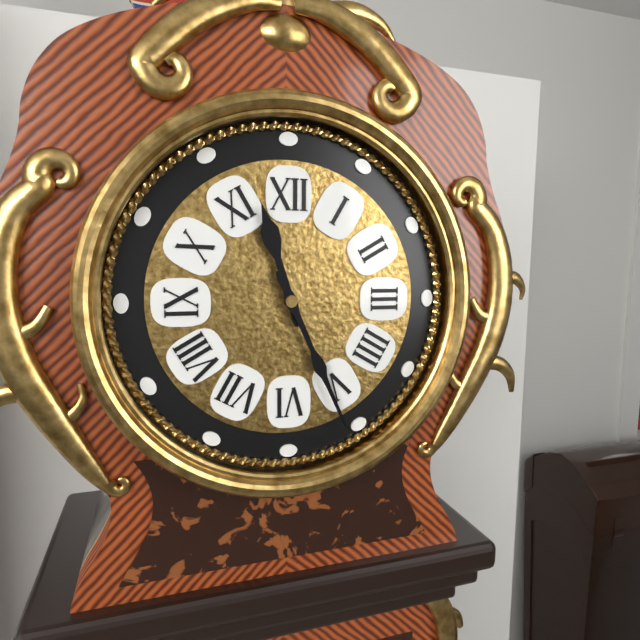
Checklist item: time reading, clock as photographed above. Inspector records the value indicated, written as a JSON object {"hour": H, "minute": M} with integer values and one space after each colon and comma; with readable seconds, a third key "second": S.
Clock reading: {"hour": 11, "minute": 26}
